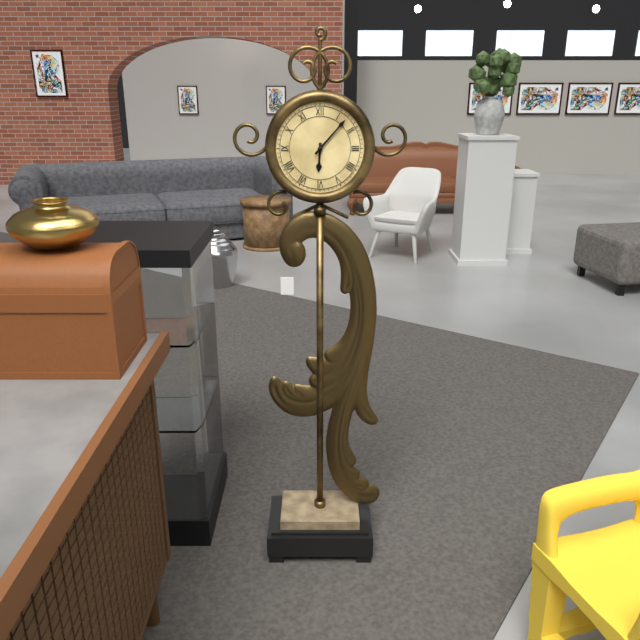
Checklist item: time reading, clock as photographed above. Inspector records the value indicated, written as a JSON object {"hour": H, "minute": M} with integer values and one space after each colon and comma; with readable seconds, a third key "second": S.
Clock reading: {"hour": 6, "minute": 7}
